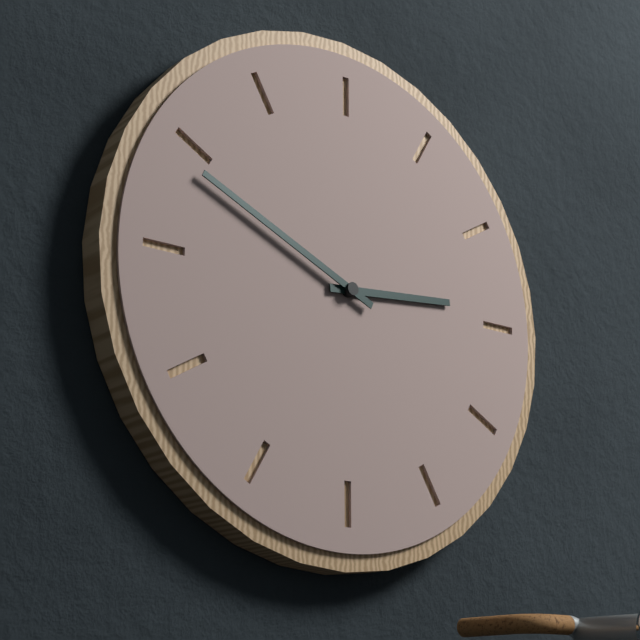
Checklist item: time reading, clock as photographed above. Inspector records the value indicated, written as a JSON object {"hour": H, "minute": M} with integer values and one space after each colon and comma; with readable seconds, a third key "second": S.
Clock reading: {"hour": 2, "minute": 49}
